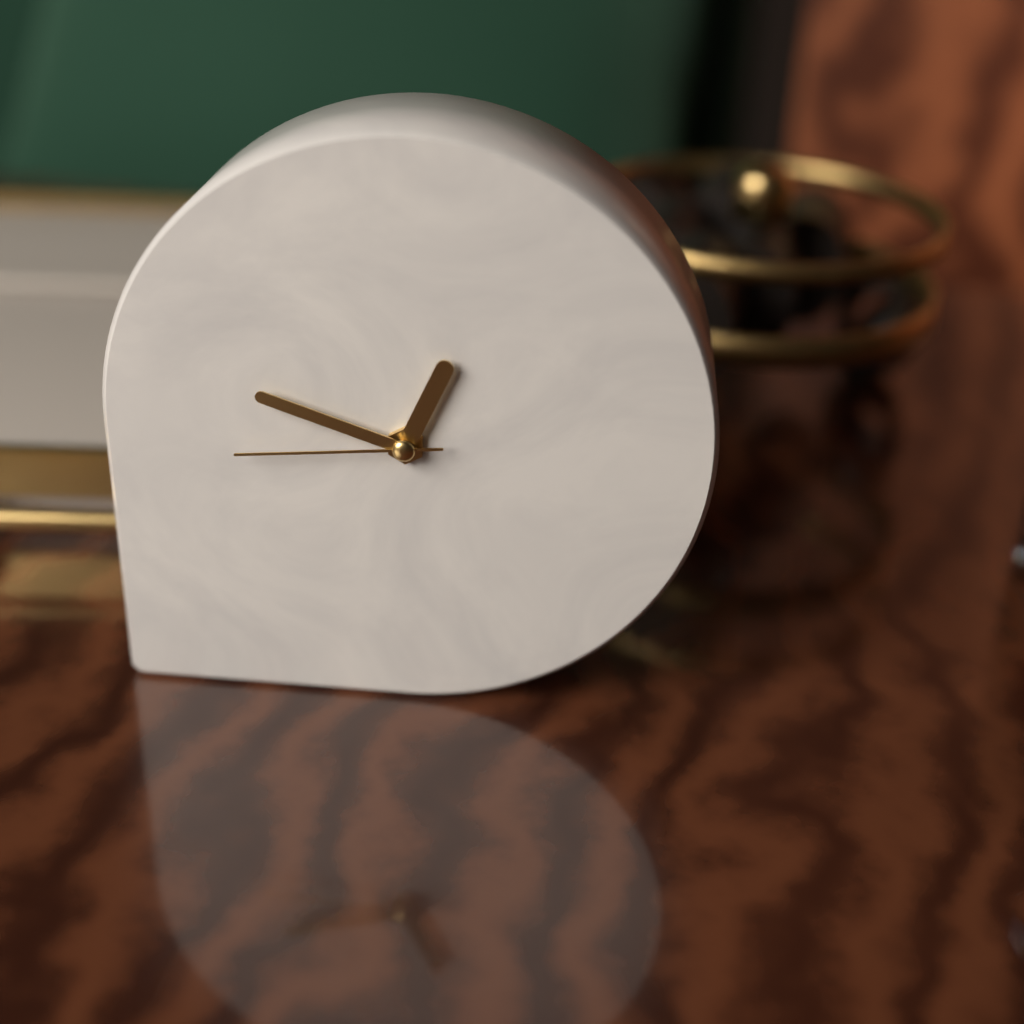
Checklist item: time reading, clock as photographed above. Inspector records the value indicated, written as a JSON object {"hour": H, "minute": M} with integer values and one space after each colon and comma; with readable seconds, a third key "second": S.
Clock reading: {"hour": 12, "minute": 48, "second": 44}
